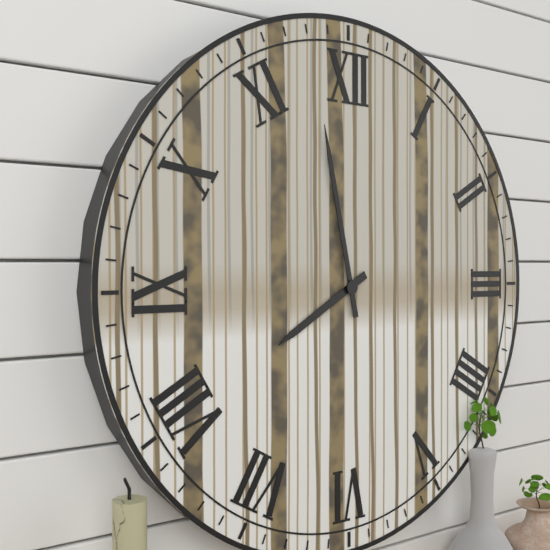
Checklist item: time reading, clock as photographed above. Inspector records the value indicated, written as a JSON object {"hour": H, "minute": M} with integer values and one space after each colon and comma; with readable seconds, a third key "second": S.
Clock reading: {"hour": 7, "minute": 58}
